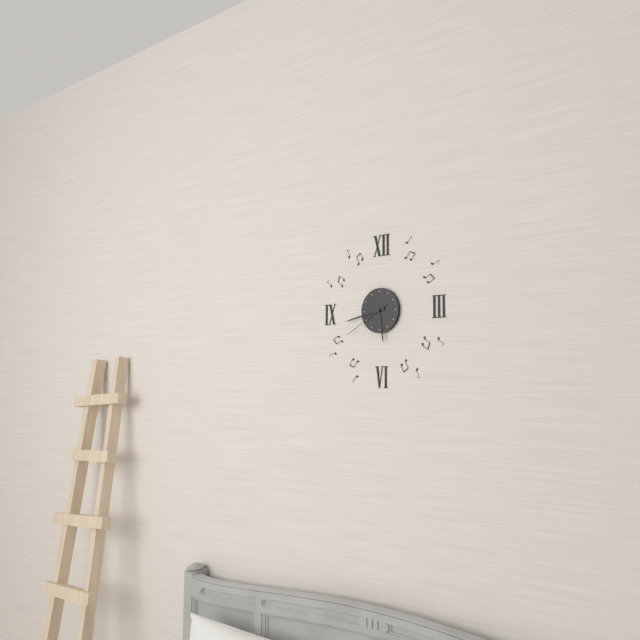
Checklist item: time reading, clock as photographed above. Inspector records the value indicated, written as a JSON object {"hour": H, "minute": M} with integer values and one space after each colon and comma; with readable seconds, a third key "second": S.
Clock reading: {"hour": 5, "minute": 43, "second": 40}
